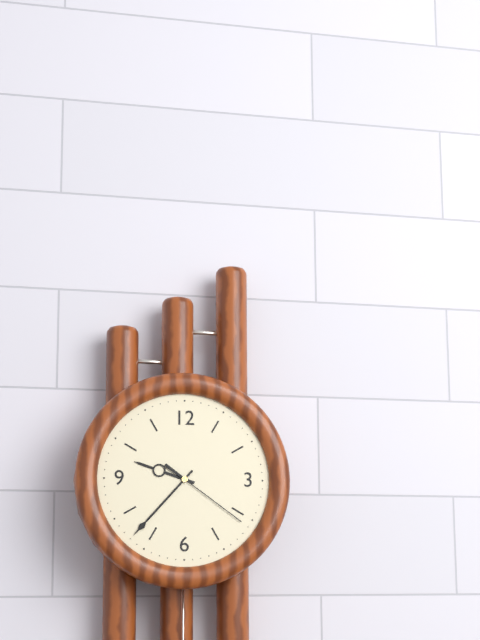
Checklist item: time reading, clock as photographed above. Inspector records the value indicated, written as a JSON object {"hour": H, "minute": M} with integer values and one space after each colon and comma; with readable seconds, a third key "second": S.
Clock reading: {"hour": 9, "minute": 37, "second": 21}
